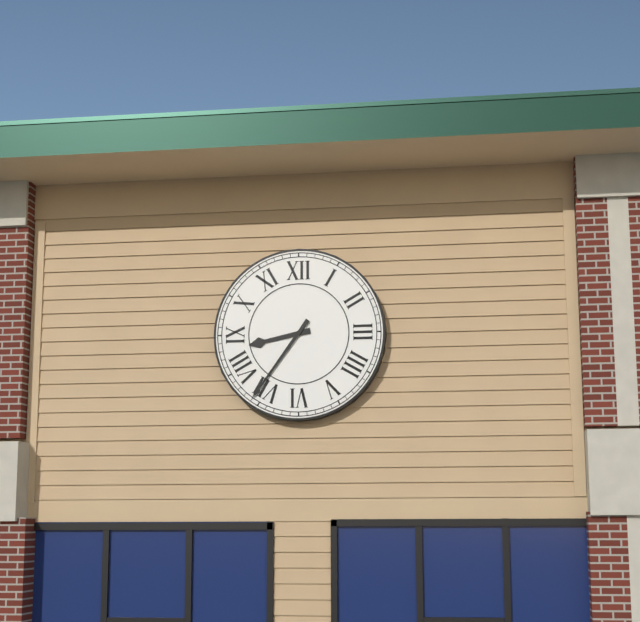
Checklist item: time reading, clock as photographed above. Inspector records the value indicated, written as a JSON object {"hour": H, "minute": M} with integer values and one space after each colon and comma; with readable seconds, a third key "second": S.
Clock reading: {"hour": 8, "minute": 36}
